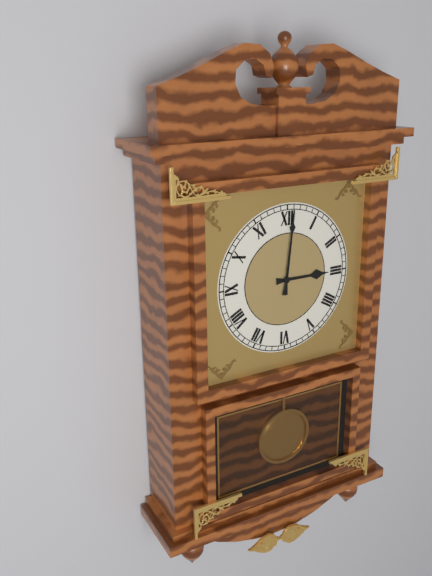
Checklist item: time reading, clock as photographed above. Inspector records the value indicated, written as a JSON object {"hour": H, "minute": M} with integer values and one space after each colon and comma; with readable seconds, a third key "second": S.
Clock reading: {"hour": 3, "minute": 1}
